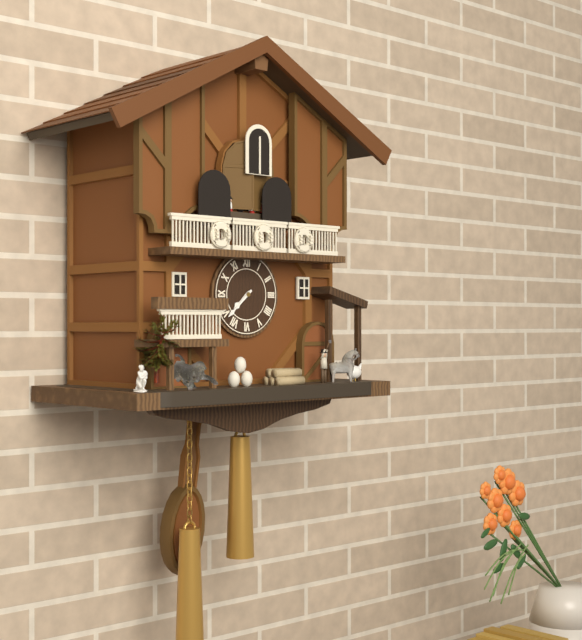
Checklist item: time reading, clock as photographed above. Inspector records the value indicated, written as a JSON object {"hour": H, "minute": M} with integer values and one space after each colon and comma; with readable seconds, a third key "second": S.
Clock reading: {"hour": 7, "minute": 38}
